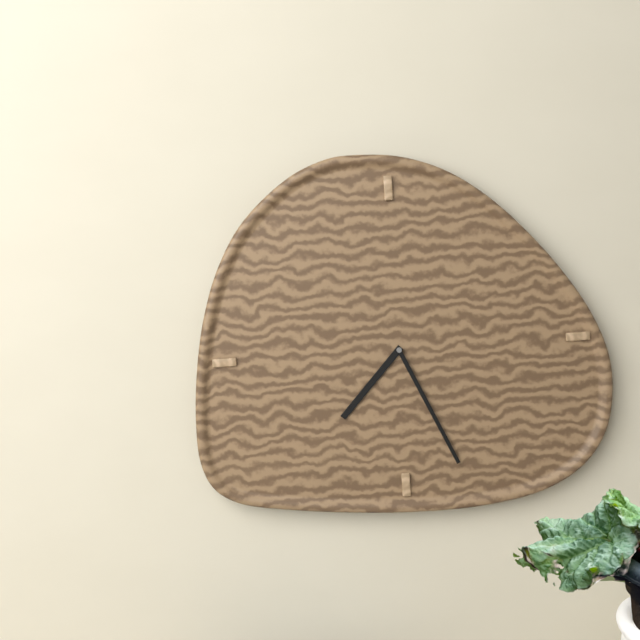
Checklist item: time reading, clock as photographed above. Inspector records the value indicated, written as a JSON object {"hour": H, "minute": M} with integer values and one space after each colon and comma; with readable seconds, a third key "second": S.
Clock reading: {"hour": 7, "minute": 26}
